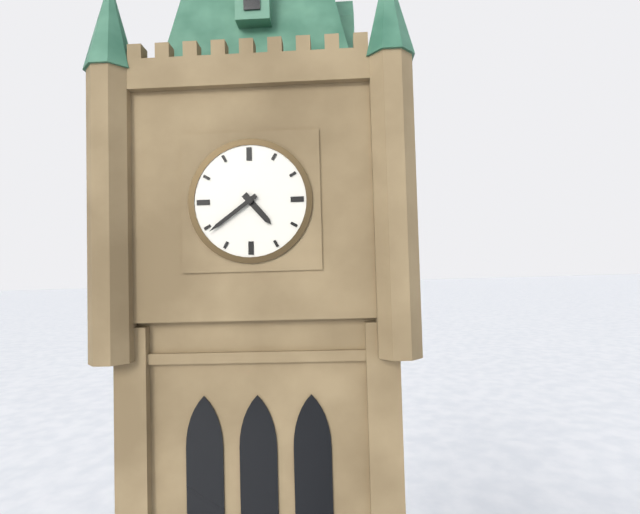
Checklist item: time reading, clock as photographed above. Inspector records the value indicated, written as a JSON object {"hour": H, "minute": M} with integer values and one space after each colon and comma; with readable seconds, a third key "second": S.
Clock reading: {"hour": 4, "minute": 39}
